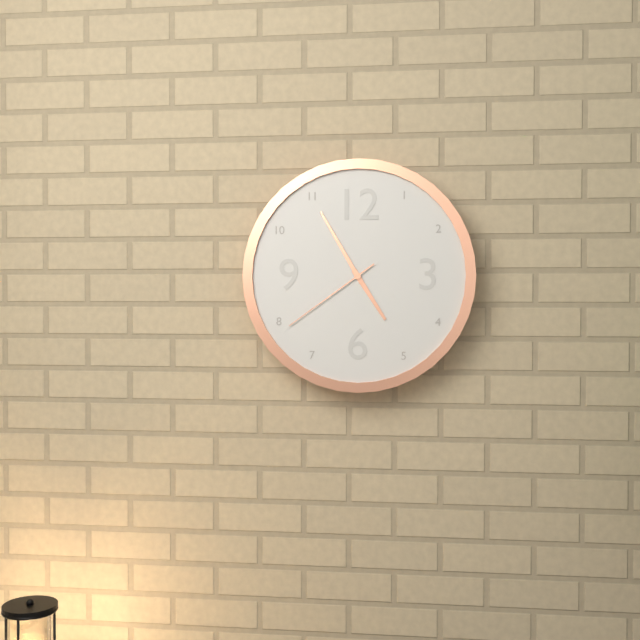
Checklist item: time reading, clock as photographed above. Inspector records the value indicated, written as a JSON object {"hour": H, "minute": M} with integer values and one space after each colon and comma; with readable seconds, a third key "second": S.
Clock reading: {"hour": 4, "minute": 55, "second": 39}
